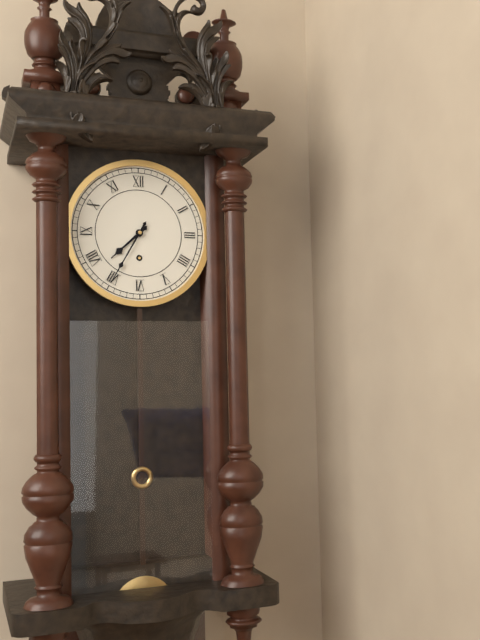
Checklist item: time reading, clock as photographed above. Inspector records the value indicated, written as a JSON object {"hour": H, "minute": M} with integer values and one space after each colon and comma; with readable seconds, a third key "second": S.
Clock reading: {"hour": 7, "minute": 35}
